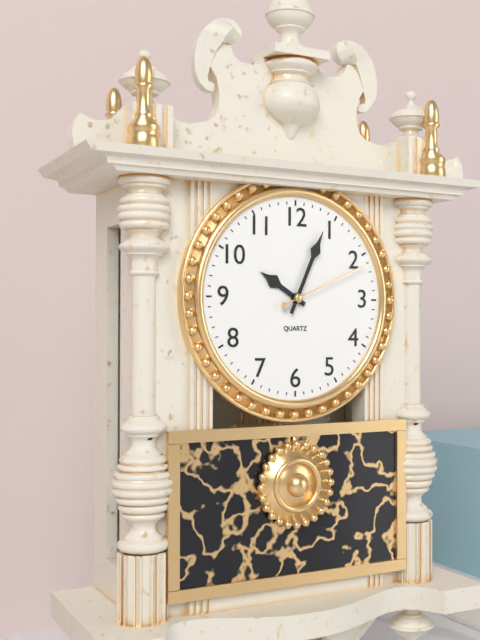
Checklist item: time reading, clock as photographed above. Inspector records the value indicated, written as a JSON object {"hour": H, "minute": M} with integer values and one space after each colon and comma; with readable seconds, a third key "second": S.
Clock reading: {"hour": 10, "minute": 4, "second": 11}
